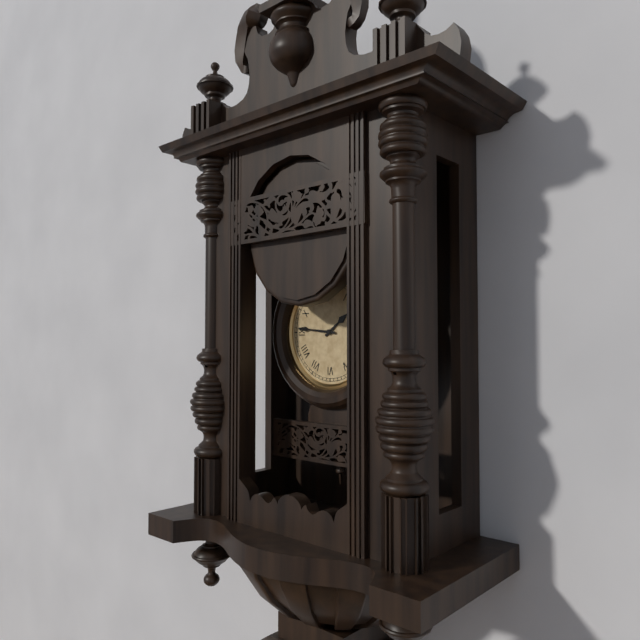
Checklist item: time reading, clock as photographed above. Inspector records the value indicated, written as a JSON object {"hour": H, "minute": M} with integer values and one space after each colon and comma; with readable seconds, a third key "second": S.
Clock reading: {"hour": 1, "minute": 46}
